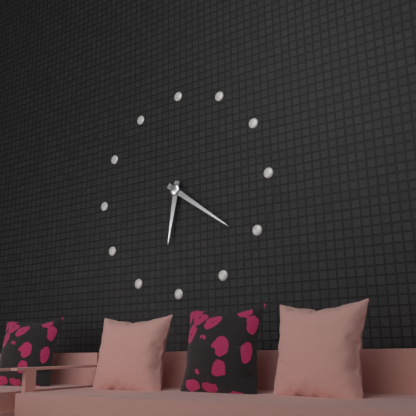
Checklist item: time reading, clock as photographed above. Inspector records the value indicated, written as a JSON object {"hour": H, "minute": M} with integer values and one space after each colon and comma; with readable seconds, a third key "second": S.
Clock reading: {"hour": 6, "minute": 21}
